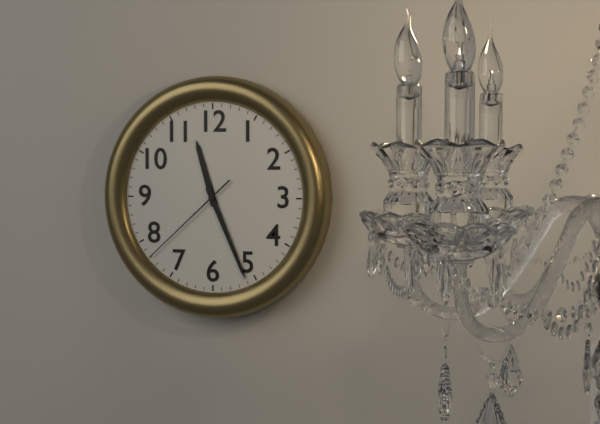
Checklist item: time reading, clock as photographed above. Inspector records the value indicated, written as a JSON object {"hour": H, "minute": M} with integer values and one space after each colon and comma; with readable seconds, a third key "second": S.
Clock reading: {"hour": 11, "minute": 26, "second": 38}
